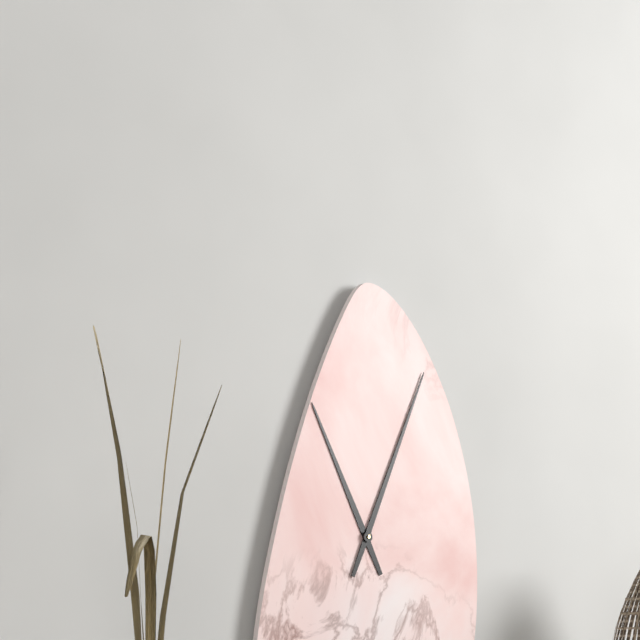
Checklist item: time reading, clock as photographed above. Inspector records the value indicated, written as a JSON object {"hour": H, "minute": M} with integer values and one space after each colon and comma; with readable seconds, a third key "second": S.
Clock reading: {"hour": 11, "minute": 4}
